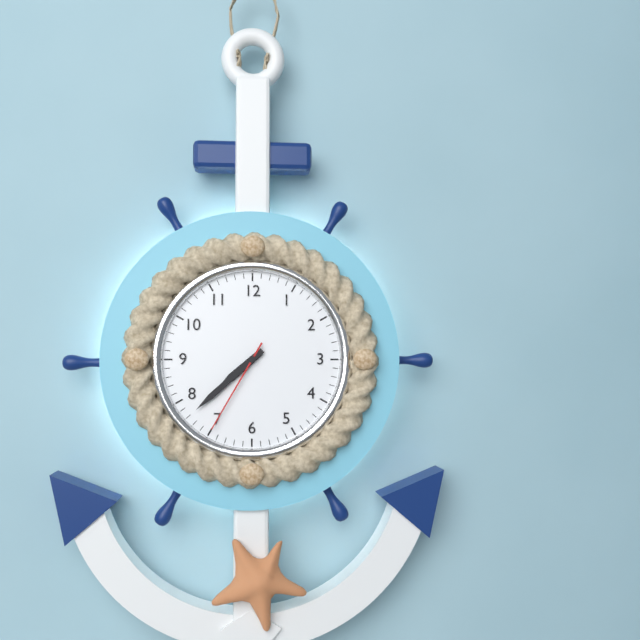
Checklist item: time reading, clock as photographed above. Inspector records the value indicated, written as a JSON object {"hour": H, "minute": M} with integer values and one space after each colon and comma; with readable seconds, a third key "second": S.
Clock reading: {"hour": 7, "minute": 38, "second": 35}
